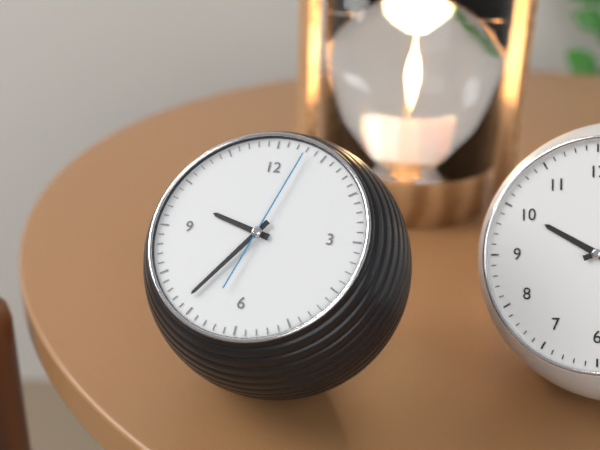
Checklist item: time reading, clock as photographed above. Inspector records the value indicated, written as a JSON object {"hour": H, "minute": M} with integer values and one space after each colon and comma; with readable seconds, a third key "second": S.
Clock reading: {"hour": 9, "minute": 36, "second": 3}
